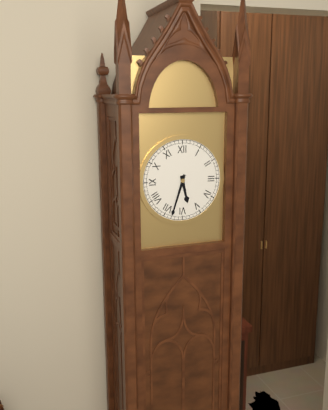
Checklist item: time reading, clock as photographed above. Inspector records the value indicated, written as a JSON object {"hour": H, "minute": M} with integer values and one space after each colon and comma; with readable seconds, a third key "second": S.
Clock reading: {"hour": 5, "minute": 33}
